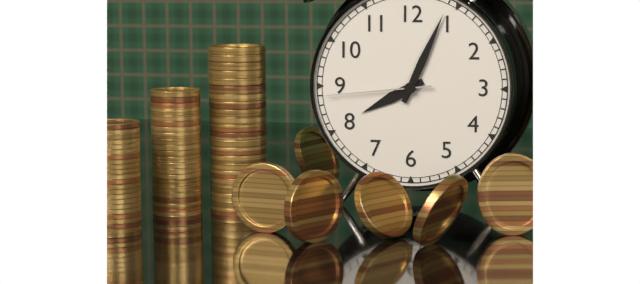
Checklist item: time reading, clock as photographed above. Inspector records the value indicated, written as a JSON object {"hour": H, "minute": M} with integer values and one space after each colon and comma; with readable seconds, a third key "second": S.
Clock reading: {"hour": 8, "minute": 4, "second": 44}
